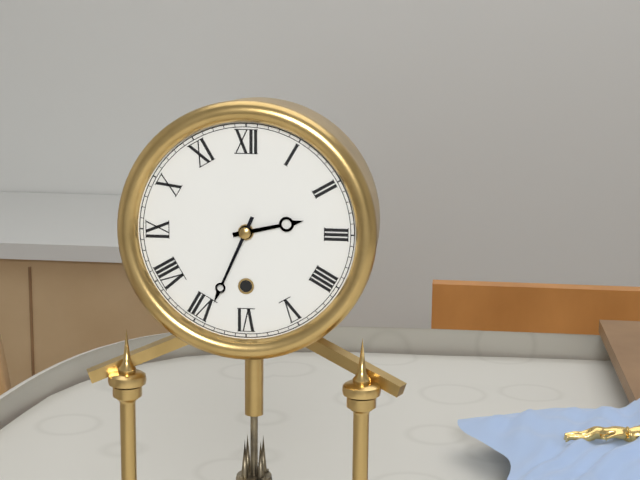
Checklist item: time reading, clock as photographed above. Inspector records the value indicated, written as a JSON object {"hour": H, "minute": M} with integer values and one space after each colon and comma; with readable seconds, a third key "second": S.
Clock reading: {"hour": 2, "minute": 34}
